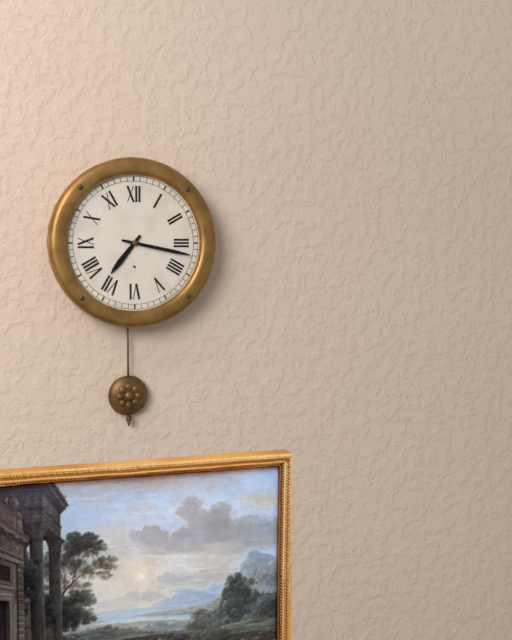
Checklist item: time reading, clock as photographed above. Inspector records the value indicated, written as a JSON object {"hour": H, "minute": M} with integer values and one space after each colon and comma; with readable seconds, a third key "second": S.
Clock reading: {"hour": 7, "minute": 17}
